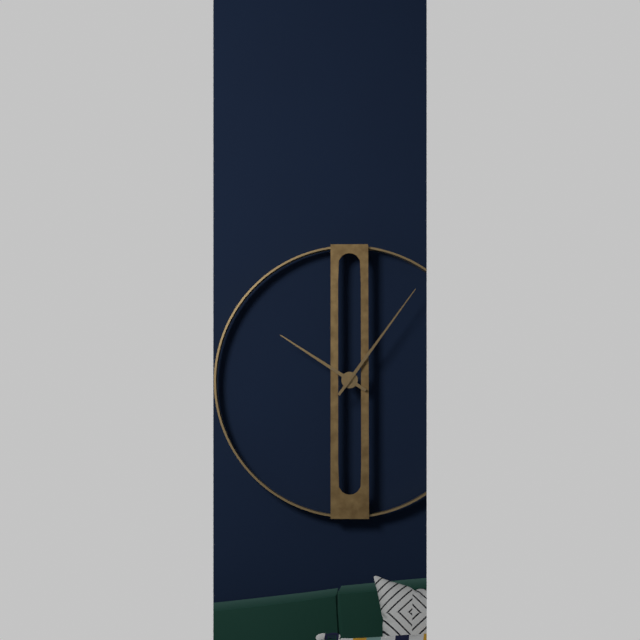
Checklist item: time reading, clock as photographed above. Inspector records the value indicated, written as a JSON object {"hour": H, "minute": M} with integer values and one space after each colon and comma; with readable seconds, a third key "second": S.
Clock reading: {"hour": 10, "minute": 6}
